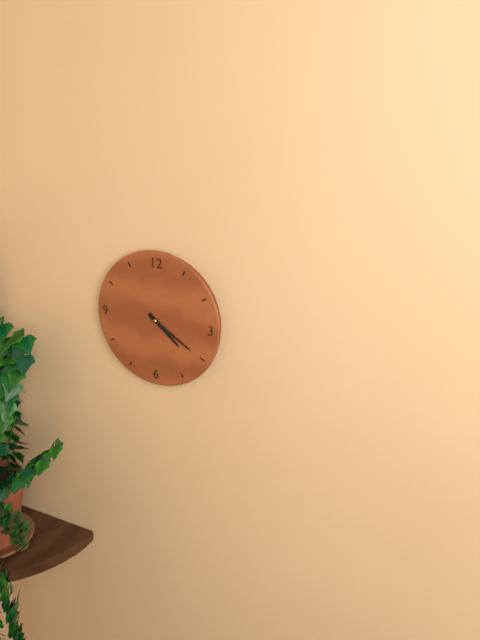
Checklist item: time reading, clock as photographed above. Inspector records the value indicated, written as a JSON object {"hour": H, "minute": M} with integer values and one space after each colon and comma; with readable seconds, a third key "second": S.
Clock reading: {"hour": 4, "minute": 20}
